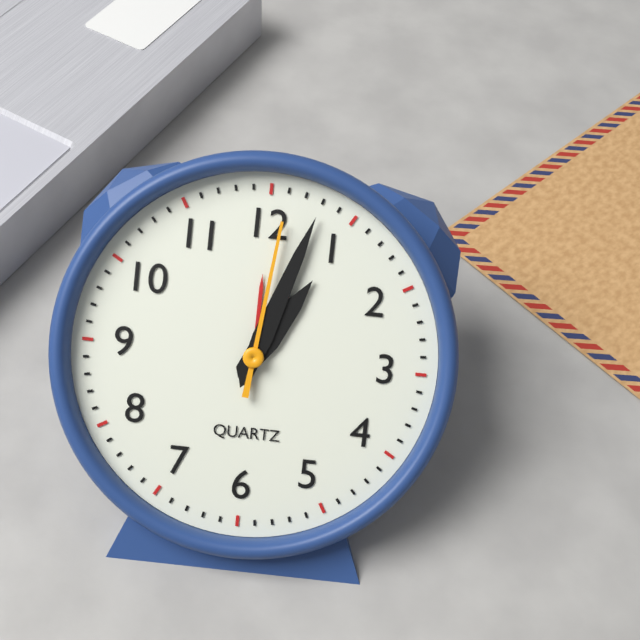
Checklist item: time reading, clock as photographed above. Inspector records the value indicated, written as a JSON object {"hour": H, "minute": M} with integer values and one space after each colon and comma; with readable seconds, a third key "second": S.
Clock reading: {"hour": 1, "minute": 3, "second": 1}
